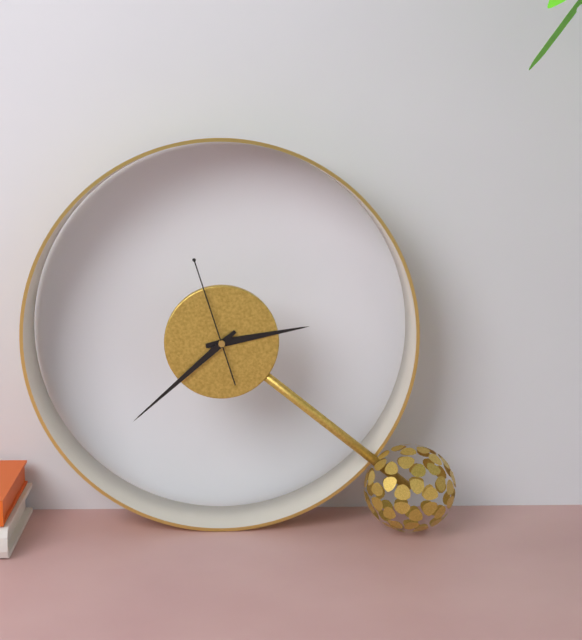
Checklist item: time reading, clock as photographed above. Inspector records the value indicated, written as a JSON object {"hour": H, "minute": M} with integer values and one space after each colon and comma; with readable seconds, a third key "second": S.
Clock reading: {"hour": 2, "minute": 38, "second": 57}
